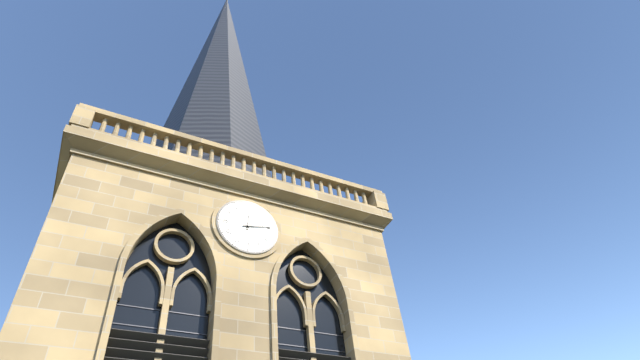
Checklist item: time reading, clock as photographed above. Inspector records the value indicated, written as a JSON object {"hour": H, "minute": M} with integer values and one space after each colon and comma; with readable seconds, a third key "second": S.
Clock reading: {"hour": 12, "minute": 13}
